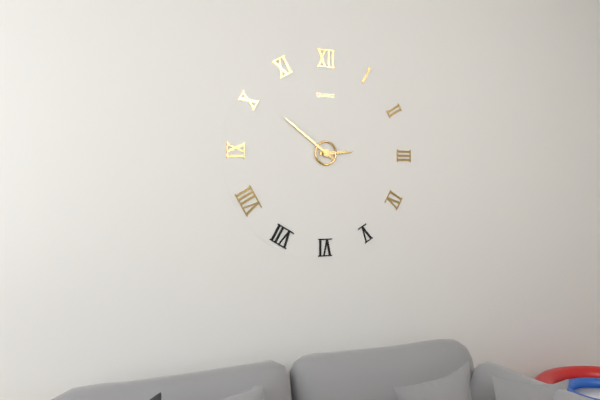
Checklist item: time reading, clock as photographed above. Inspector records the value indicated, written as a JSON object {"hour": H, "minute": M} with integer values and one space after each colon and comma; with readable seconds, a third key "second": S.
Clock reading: {"hour": 2, "minute": 51}
